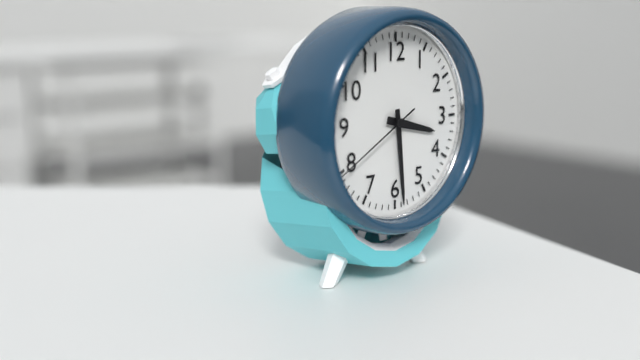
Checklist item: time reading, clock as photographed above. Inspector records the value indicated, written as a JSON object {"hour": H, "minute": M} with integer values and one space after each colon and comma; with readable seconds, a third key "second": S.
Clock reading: {"hour": 3, "minute": 29, "second": 40}
